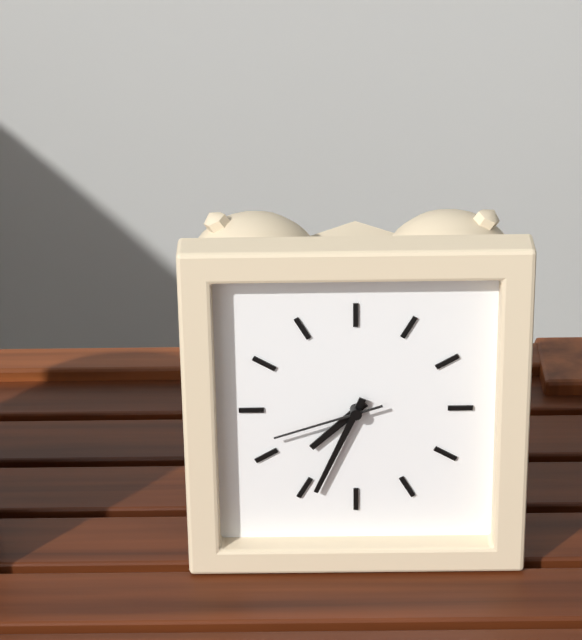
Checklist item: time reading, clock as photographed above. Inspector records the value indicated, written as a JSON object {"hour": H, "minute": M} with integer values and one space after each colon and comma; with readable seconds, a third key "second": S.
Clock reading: {"hour": 7, "minute": 34, "second": 42}
